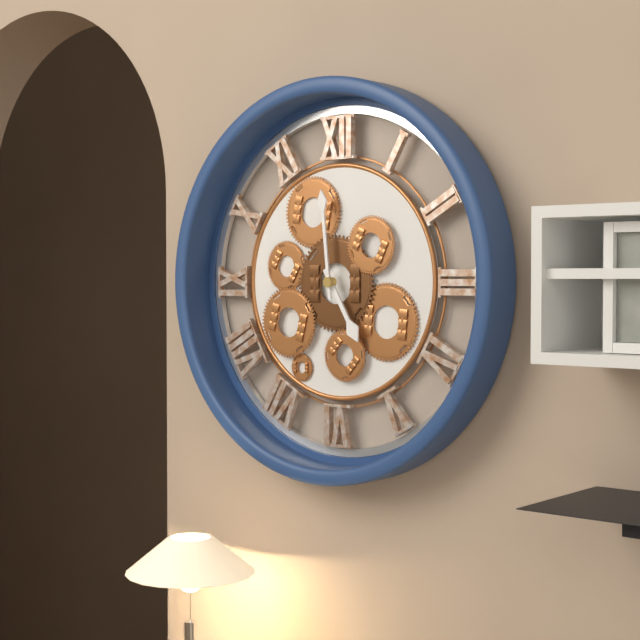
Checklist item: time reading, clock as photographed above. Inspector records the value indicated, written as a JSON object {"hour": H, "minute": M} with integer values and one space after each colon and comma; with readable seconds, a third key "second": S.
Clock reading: {"hour": 4, "minute": 59}
